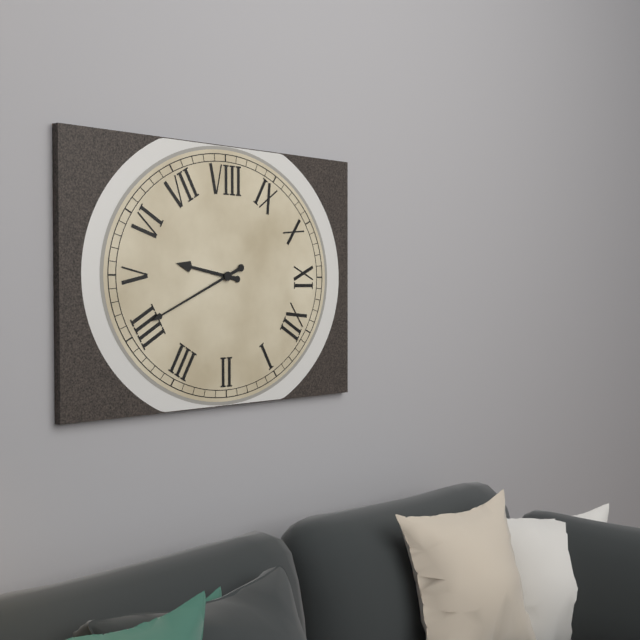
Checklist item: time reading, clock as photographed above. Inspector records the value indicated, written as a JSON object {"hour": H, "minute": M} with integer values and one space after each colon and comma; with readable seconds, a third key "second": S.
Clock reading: {"hour": 5, "minute": 21}
